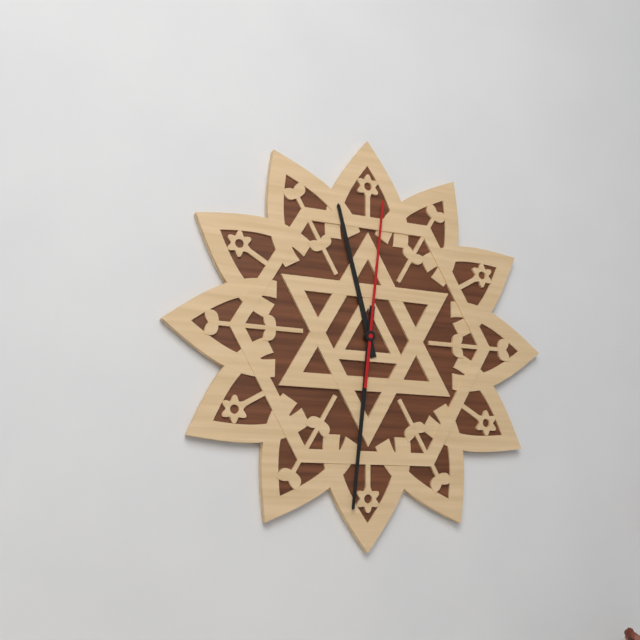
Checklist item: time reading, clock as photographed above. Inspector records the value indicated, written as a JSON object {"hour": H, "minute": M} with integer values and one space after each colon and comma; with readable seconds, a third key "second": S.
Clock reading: {"hour": 11, "minute": 31, "second": 1}
